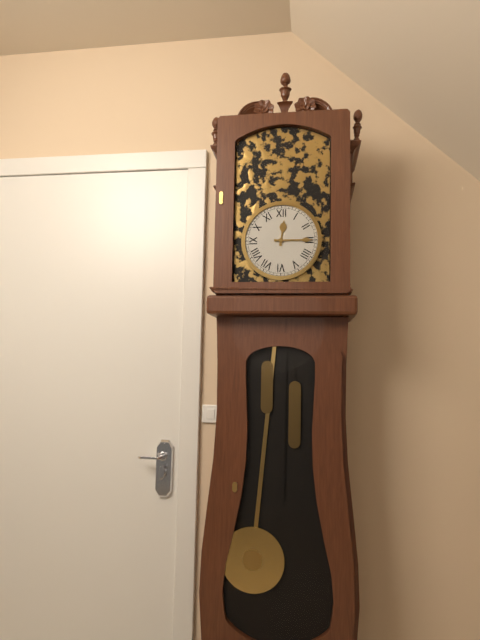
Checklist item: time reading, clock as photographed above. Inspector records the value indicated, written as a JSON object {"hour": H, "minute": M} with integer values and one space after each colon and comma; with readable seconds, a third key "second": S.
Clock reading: {"hour": 12, "minute": 15}
